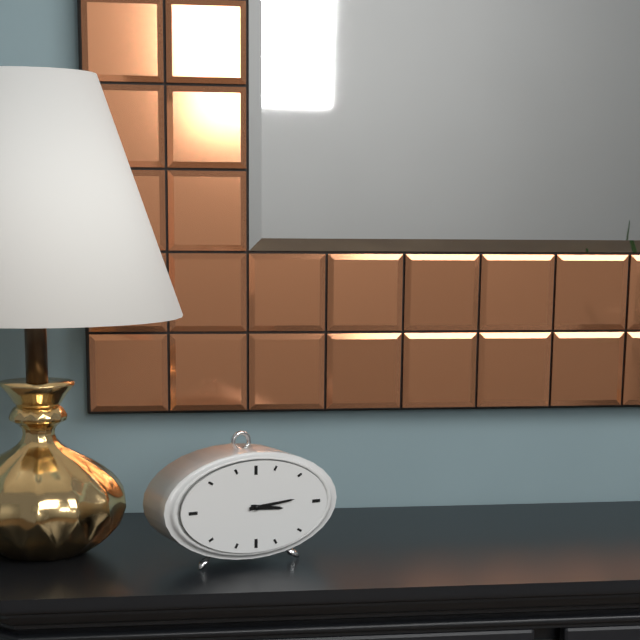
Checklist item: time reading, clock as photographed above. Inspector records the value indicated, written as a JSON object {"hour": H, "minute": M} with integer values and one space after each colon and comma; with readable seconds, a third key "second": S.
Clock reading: {"hour": 3, "minute": 14}
